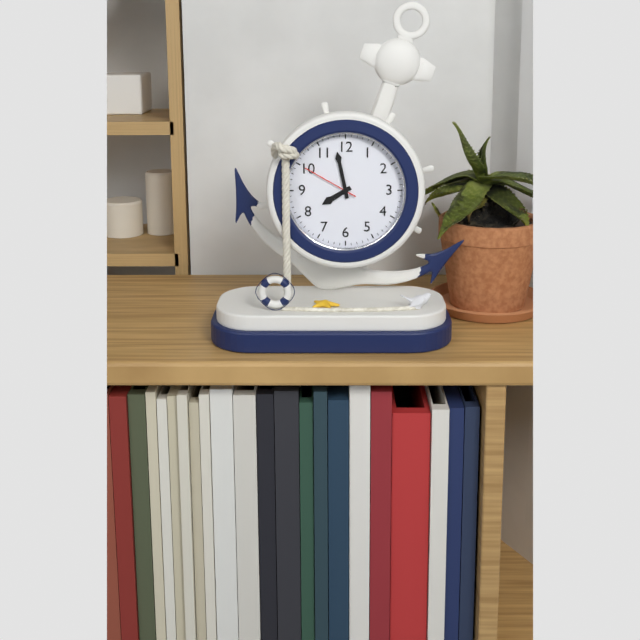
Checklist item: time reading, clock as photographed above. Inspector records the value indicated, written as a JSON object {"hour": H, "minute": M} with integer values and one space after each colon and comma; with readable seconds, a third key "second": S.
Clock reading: {"hour": 7, "minute": 58, "second": 50}
